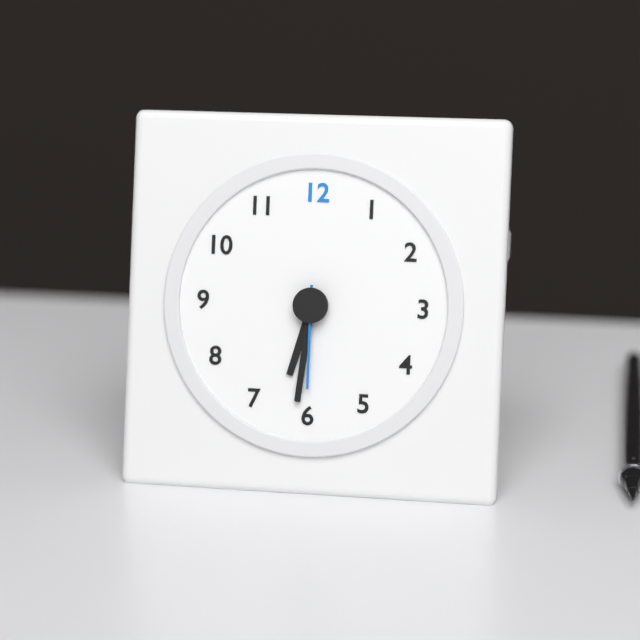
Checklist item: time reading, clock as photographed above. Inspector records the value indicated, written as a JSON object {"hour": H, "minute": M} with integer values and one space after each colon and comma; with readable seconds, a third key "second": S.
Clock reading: {"hour": 6, "minute": 31, "second": 30}
